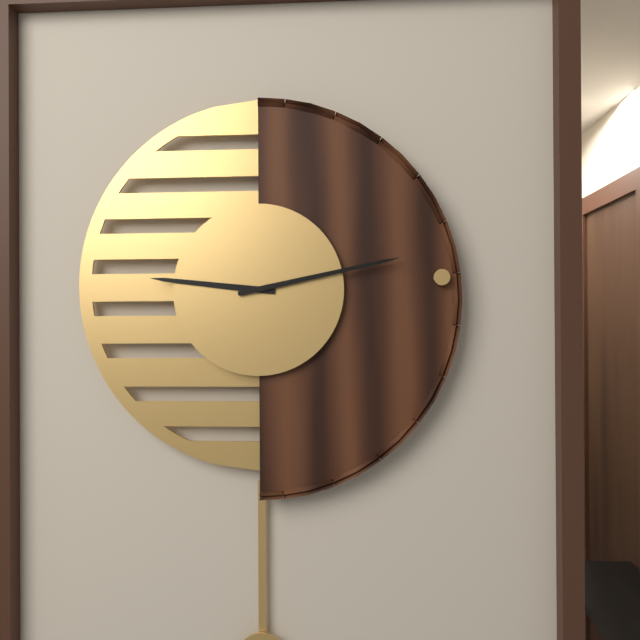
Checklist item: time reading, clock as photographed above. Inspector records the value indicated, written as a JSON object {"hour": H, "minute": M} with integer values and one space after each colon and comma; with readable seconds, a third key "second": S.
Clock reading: {"hour": 9, "minute": 13}
